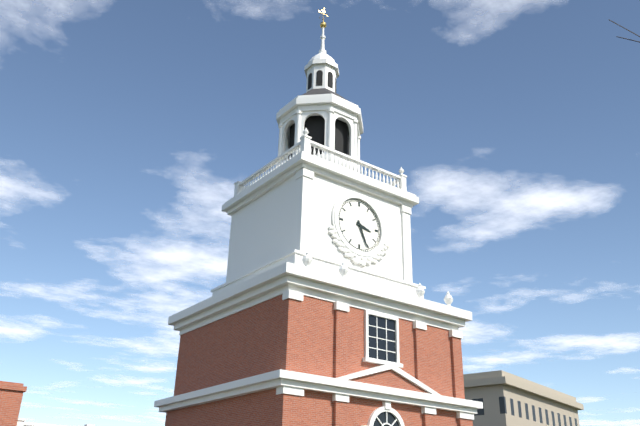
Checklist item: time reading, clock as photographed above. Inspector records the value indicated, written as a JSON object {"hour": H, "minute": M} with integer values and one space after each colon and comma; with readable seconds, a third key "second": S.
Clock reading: {"hour": 3, "minute": 26}
